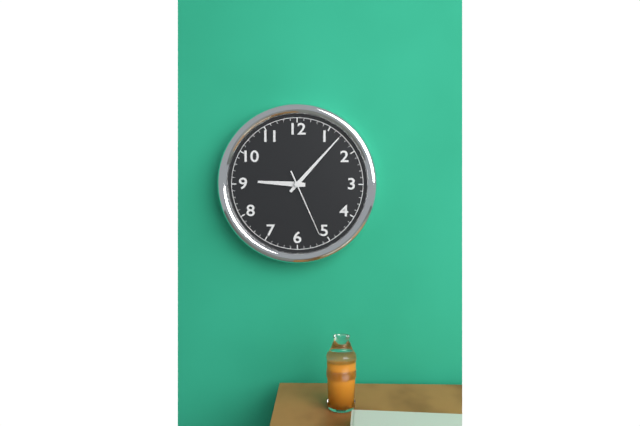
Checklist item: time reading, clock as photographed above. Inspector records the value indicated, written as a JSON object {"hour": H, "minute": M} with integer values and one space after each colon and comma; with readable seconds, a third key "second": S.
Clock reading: {"hour": 9, "minute": 7, "second": 26}
